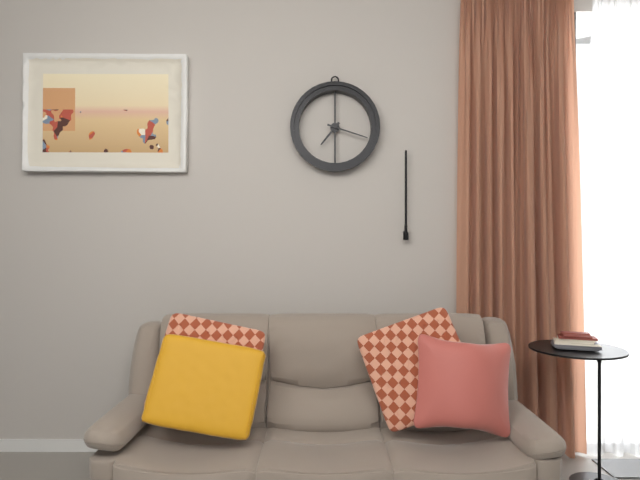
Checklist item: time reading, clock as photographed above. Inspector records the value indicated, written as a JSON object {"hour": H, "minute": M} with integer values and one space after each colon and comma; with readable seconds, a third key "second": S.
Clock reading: {"hour": 7, "minute": 18}
